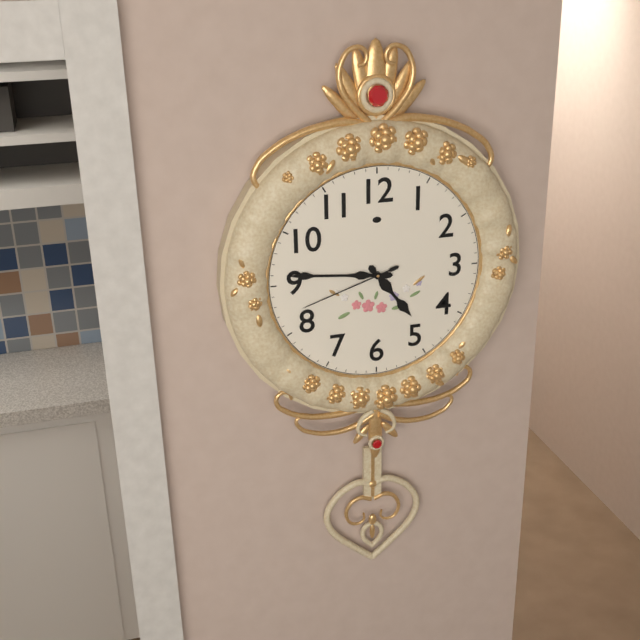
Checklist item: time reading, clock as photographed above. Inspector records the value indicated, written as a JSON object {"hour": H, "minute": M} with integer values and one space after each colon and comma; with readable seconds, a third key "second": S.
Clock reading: {"hour": 4, "minute": 46, "second": 42}
